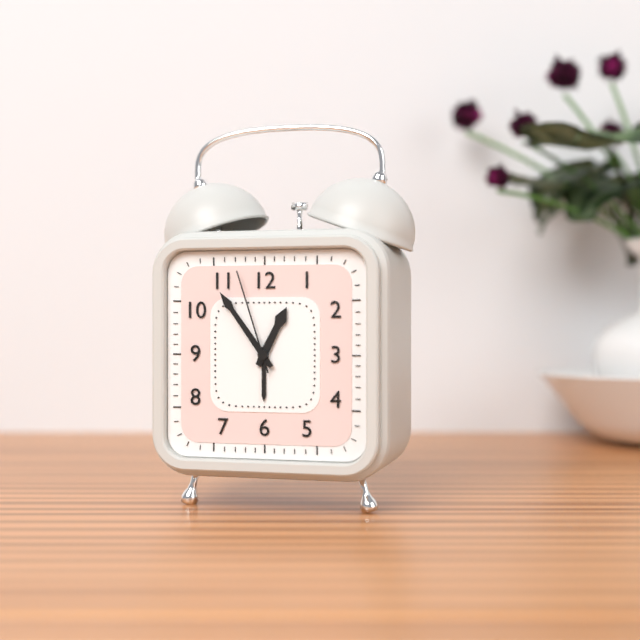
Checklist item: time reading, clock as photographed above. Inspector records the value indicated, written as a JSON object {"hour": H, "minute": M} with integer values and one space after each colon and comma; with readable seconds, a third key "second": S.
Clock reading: {"hour": 12, "minute": 54, "second": 57}
